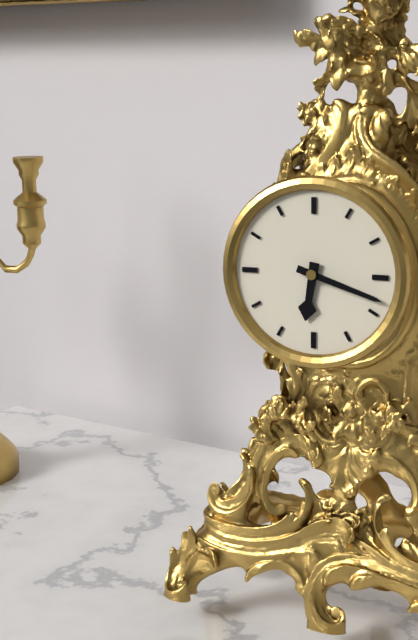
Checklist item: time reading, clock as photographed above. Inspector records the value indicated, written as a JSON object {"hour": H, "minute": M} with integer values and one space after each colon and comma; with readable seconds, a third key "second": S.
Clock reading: {"hour": 6, "minute": 18}
